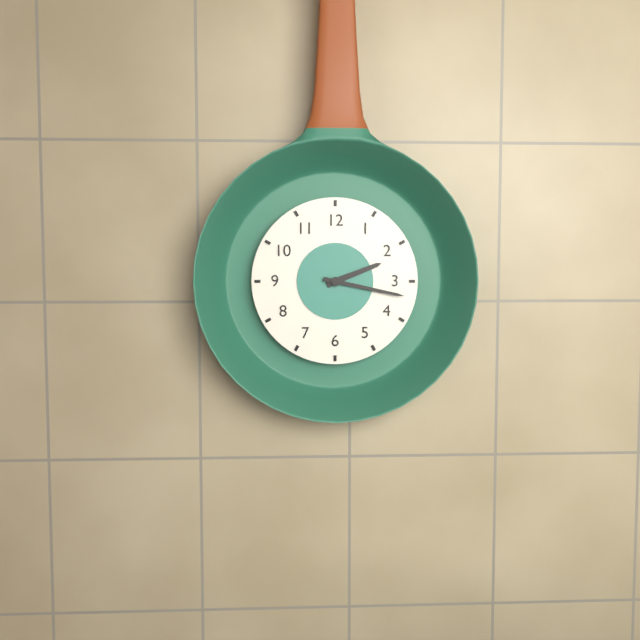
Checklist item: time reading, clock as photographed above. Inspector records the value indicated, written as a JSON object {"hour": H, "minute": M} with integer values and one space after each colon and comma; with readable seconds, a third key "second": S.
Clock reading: {"hour": 2, "minute": 17}
